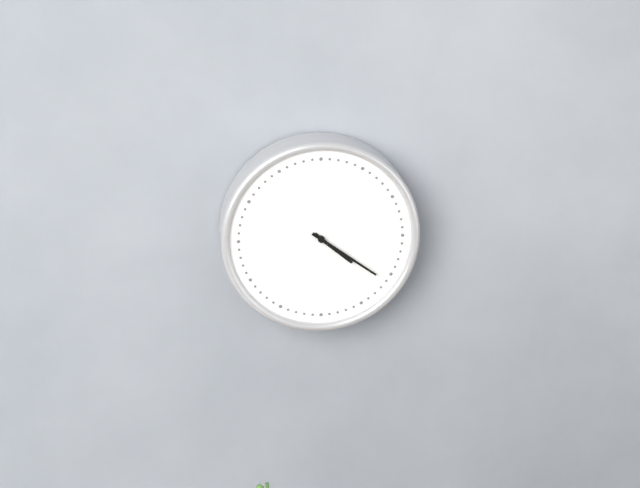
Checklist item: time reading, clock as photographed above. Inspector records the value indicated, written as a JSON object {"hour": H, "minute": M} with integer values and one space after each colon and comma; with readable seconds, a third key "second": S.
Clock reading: {"hour": 4, "minute": 21}
